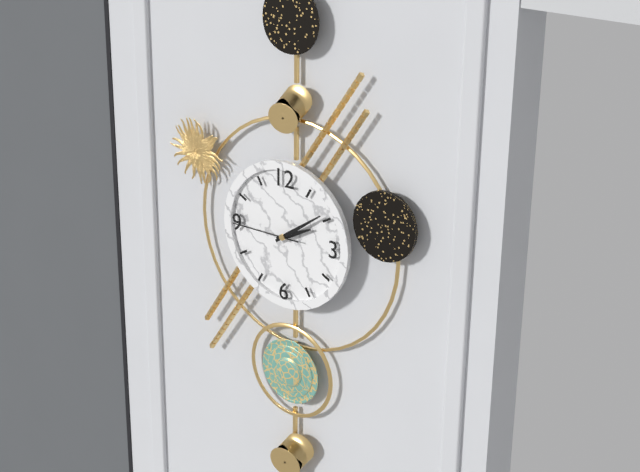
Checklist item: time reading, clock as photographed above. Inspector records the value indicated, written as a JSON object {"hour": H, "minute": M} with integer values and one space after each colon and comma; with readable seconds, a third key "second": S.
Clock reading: {"hour": 2, "minute": 9, "second": 45}
